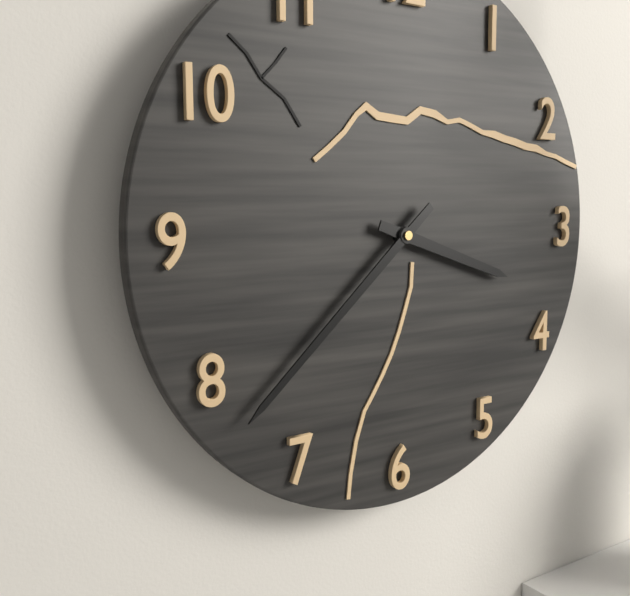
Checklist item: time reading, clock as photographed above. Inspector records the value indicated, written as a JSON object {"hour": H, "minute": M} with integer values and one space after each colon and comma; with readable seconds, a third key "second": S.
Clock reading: {"hour": 3, "minute": 38}
